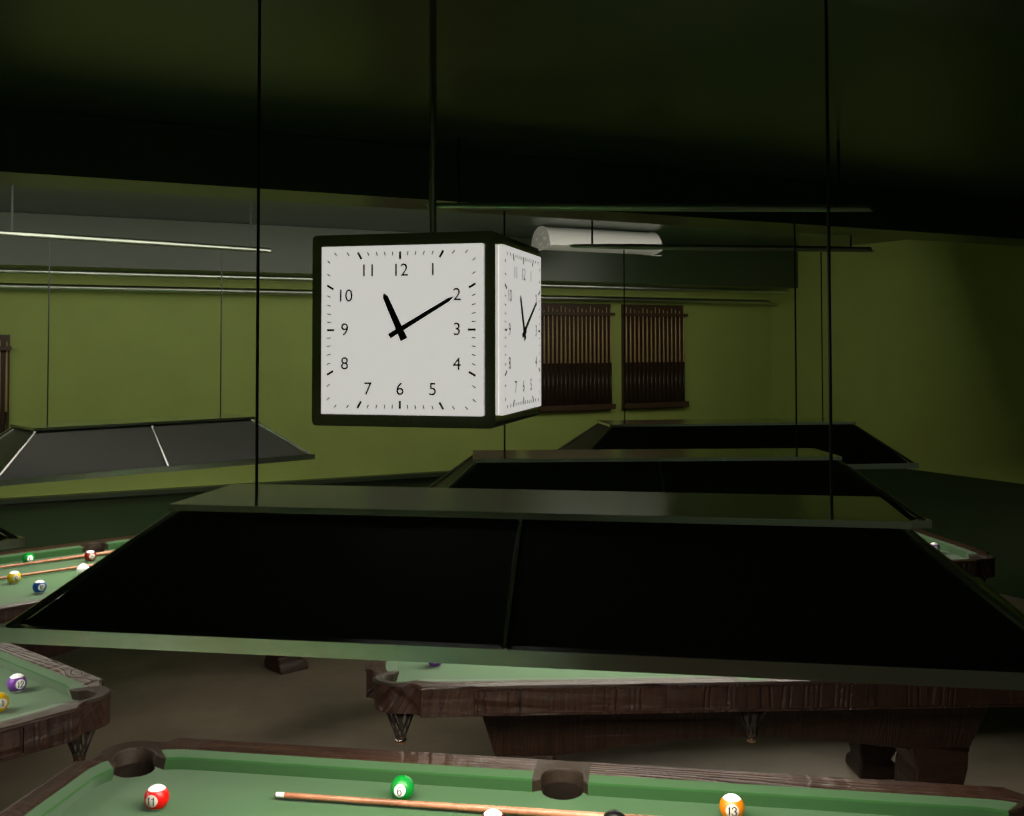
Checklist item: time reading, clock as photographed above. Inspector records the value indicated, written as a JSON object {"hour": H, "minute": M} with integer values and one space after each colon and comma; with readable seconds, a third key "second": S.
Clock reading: {"hour": 11, "minute": 10}
